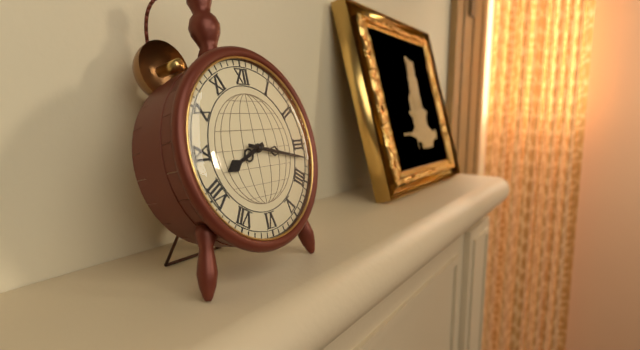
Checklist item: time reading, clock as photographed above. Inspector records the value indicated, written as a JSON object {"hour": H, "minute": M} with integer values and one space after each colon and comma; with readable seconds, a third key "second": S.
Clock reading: {"hour": 8, "minute": 17}
